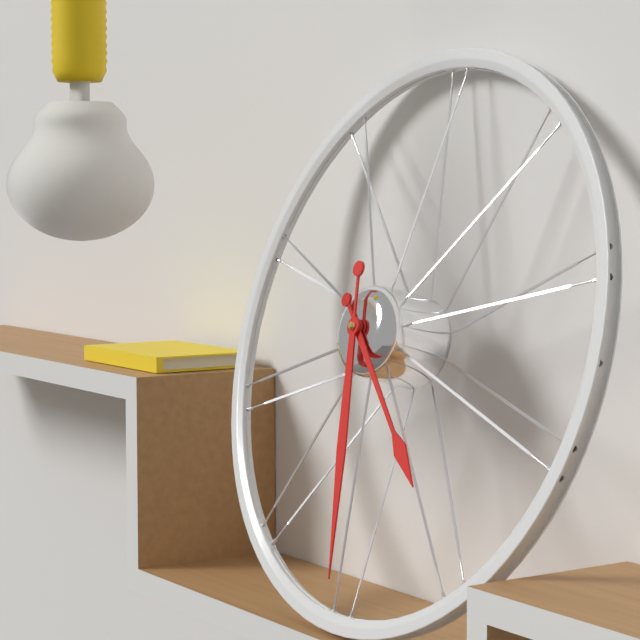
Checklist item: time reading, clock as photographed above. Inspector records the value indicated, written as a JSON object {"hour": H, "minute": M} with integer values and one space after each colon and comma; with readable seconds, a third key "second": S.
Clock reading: {"hour": 4, "minute": 28}
